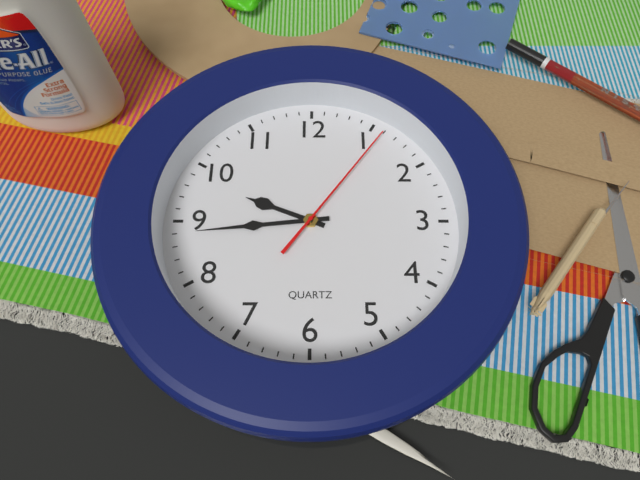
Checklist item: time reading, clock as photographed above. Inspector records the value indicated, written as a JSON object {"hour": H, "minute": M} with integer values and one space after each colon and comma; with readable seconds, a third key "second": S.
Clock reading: {"hour": 9, "minute": 44, "second": 6}
